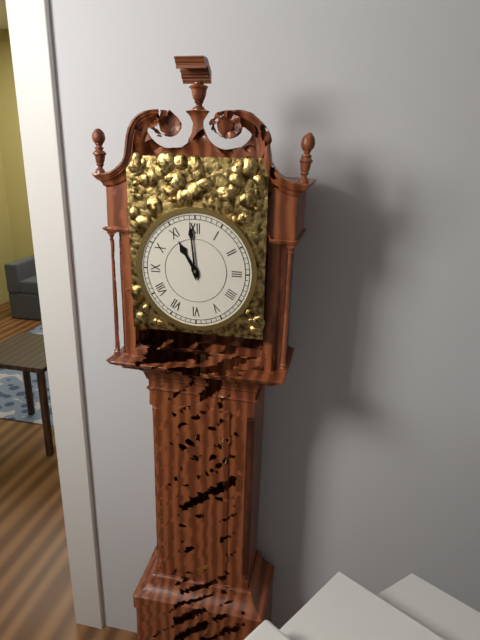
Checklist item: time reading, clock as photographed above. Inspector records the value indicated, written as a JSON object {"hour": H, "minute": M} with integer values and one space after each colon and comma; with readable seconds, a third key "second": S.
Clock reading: {"hour": 10, "minute": 59}
